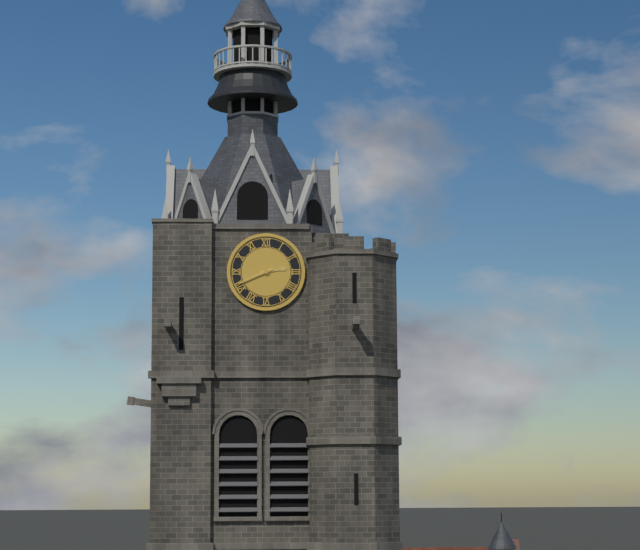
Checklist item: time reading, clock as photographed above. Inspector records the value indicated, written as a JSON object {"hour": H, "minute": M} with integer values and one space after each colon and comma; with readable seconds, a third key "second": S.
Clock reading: {"hour": 2, "minute": 41}
